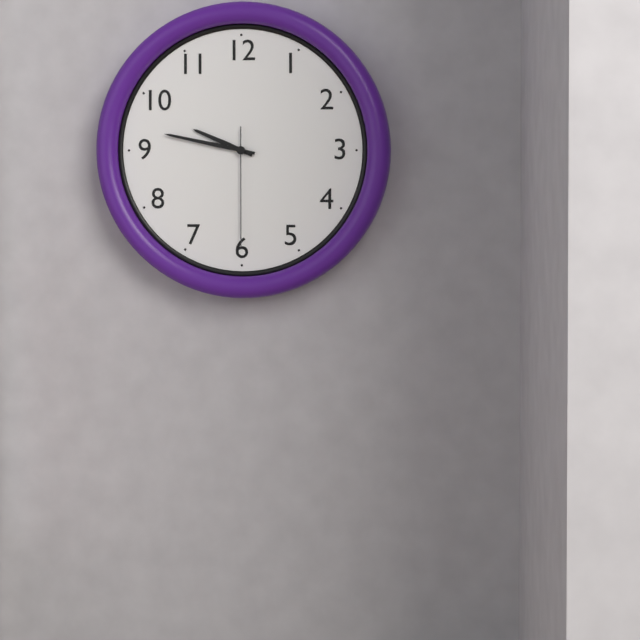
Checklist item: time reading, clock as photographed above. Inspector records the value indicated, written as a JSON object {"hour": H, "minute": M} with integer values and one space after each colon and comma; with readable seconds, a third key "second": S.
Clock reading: {"hour": 9, "minute": 47, "second": 30}
